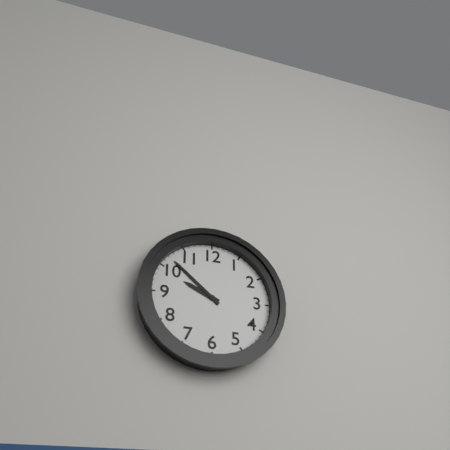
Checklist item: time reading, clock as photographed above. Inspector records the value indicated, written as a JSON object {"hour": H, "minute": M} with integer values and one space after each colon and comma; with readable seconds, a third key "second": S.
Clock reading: {"hour": 9, "minute": 52}
